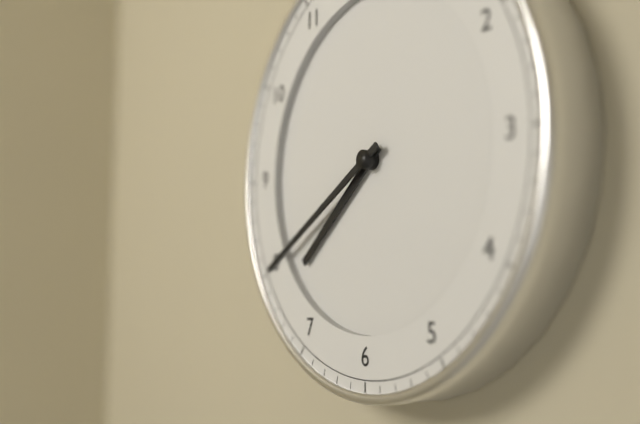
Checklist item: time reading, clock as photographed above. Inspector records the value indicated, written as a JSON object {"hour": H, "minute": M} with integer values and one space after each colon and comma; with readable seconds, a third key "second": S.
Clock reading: {"hour": 7, "minute": 40}
